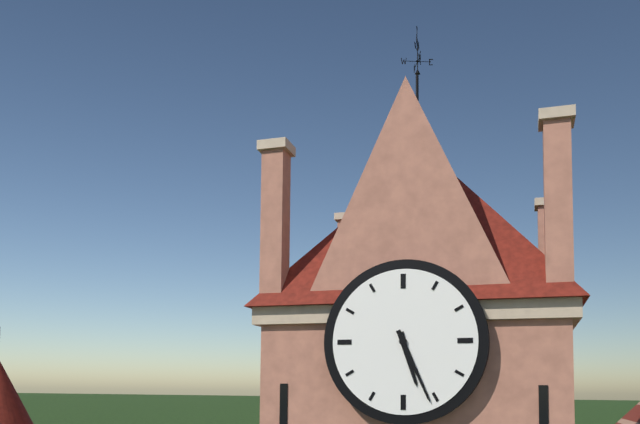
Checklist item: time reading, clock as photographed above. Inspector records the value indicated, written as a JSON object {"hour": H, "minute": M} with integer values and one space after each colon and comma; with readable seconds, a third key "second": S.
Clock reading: {"hour": 5, "minute": 26}
